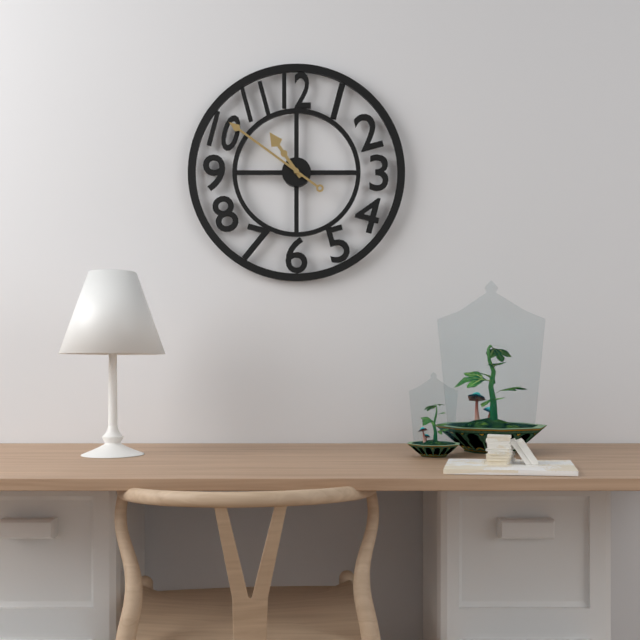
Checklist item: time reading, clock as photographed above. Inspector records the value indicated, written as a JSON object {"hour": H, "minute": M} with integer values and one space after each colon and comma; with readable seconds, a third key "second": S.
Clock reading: {"hour": 10, "minute": 51}
